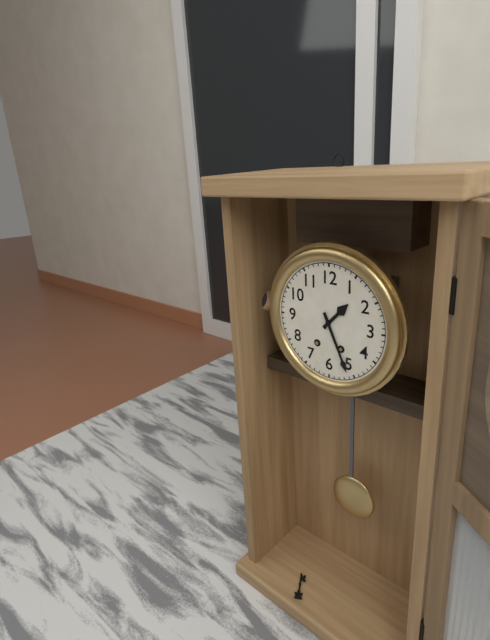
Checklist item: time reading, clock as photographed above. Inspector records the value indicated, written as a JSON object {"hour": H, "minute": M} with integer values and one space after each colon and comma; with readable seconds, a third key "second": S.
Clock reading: {"hour": 1, "minute": 26}
